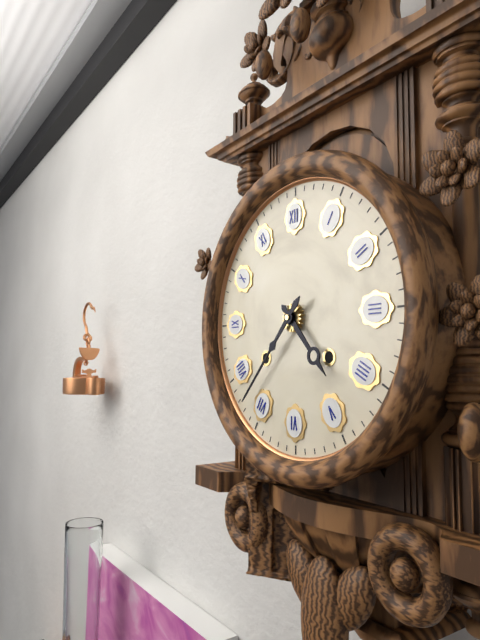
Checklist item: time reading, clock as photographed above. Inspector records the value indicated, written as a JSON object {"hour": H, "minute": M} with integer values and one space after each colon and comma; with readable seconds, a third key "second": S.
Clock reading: {"hour": 4, "minute": 37}
